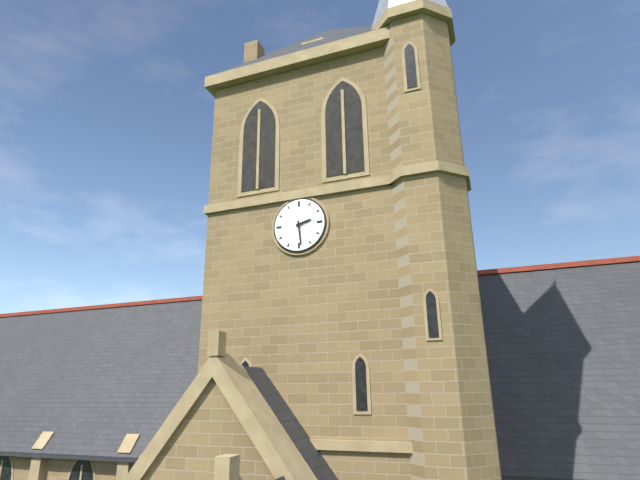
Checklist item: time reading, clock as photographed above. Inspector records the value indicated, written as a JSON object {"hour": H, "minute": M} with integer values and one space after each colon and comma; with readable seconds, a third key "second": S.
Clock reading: {"hour": 2, "minute": 29}
